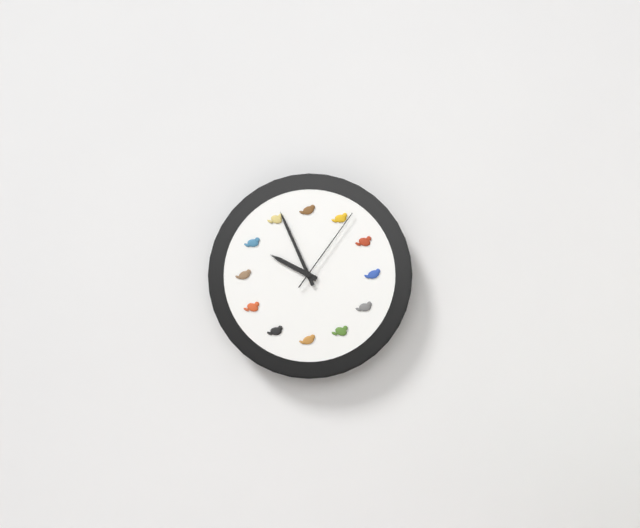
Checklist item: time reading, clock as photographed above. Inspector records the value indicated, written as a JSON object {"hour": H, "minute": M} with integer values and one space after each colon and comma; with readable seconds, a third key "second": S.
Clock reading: {"hour": 9, "minute": 56, "second": 6}
